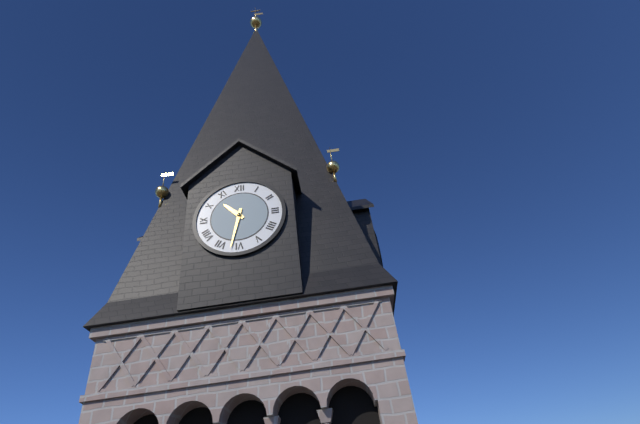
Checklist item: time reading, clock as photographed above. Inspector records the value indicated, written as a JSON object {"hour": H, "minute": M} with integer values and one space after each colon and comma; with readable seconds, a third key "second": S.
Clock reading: {"hour": 10, "minute": 32}
